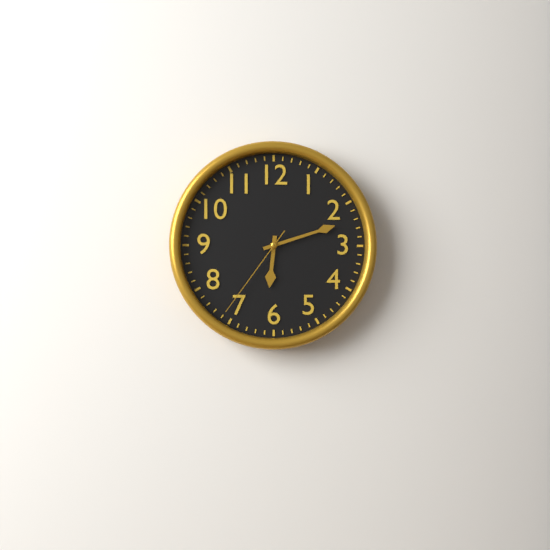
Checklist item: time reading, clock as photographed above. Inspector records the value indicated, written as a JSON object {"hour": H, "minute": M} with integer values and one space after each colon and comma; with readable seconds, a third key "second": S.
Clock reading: {"hour": 6, "minute": 12, "second": 36}
